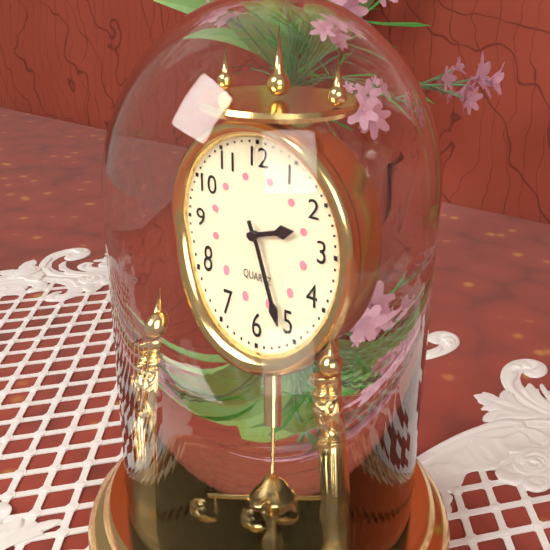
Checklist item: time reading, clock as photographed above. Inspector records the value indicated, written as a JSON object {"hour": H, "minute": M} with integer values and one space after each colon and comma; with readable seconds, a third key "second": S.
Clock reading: {"hour": 2, "minute": 26}
